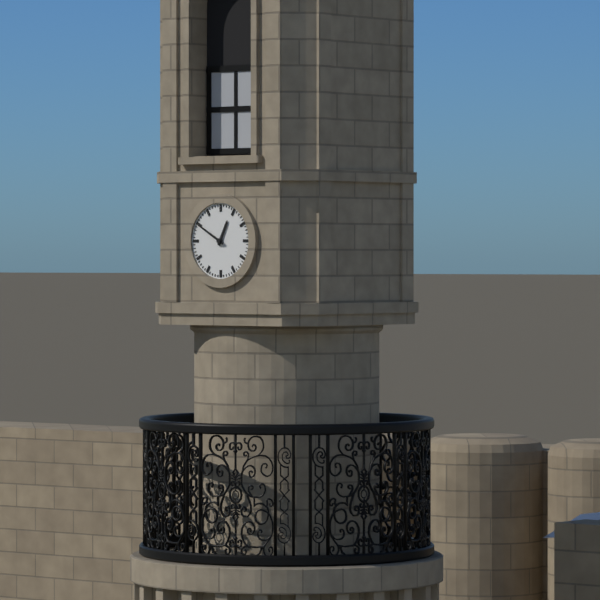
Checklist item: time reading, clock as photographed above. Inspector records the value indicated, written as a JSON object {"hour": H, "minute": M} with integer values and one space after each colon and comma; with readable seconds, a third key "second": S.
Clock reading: {"hour": 12, "minute": 50}
